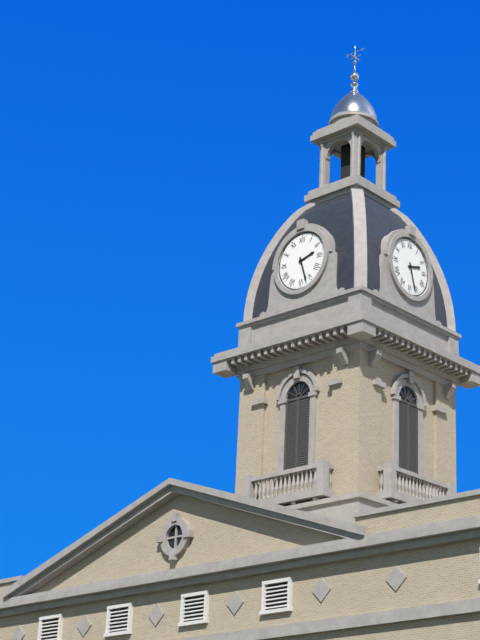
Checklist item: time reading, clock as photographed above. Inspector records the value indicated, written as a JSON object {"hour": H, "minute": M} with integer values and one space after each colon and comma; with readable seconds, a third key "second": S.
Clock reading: {"hour": 2, "minute": 27}
